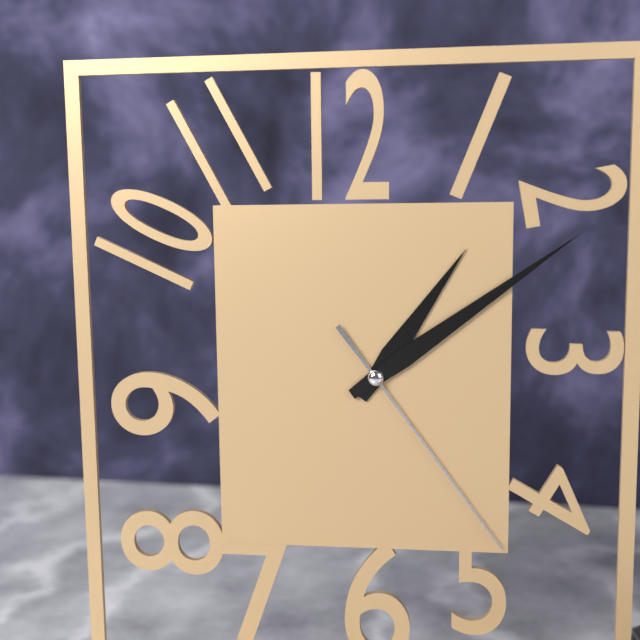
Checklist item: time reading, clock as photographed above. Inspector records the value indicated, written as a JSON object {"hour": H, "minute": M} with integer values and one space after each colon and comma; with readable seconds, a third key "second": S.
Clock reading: {"hour": 1, "minute": 9, "second": 24}
